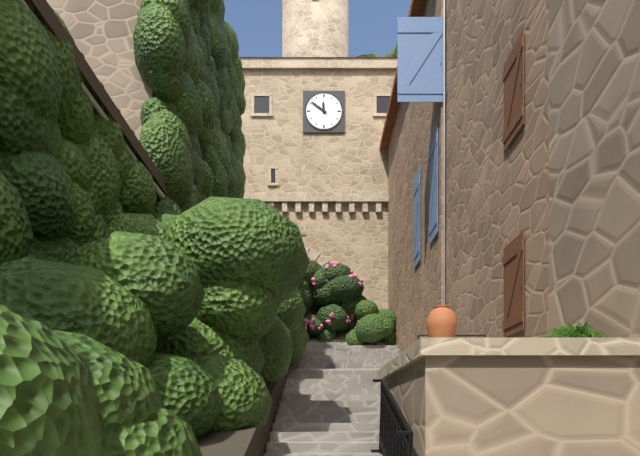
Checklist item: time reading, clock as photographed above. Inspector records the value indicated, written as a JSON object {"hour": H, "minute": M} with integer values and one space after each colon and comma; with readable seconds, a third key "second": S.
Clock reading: {"hour": 11, "minute": 51}
